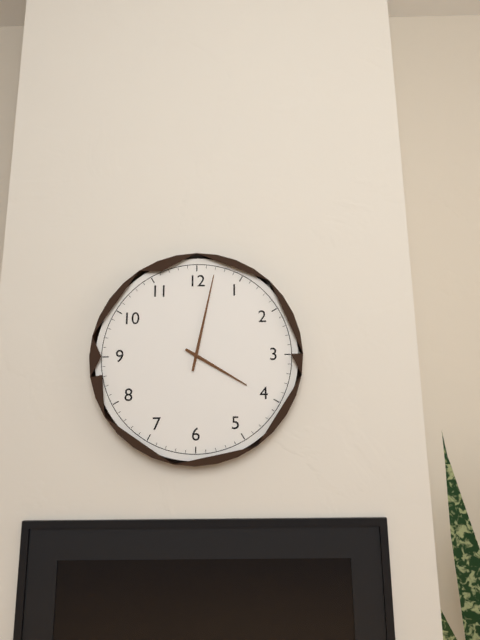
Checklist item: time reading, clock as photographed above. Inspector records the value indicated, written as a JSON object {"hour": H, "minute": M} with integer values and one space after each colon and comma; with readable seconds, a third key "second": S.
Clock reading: {"hour": 4, "minute": 2}
